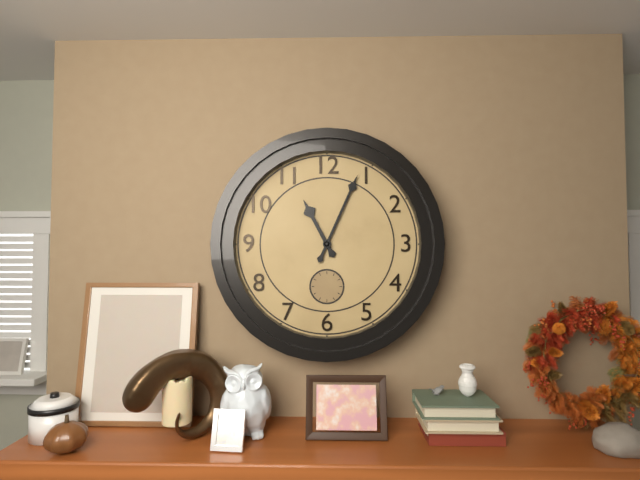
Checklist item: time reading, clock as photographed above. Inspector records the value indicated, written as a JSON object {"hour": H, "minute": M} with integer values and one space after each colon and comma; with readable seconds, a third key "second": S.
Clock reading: {"hour": 11, "minute": 4}
